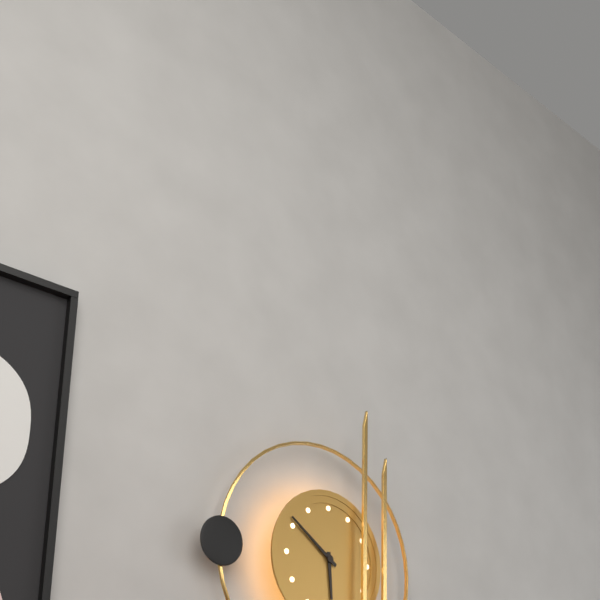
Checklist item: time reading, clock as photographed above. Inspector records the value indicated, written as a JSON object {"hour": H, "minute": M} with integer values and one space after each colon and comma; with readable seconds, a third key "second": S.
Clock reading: {"hour": 5, "minute": 51}
